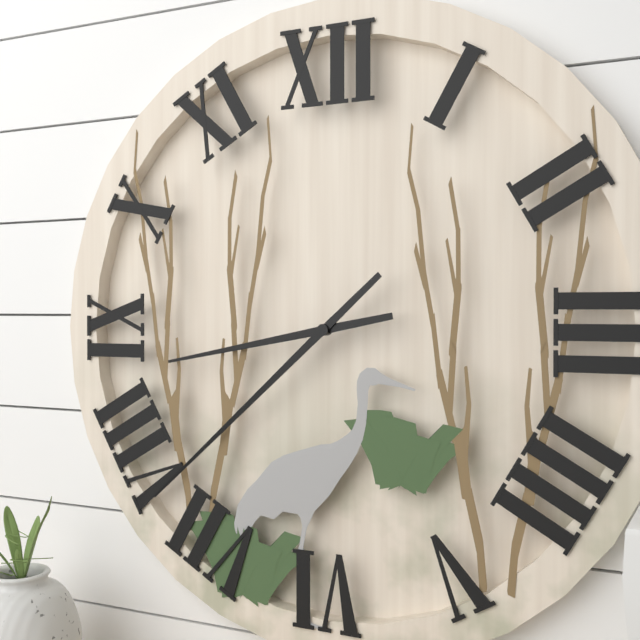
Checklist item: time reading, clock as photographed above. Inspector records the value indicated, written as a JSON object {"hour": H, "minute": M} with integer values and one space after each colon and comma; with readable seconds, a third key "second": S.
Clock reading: {"hour": 8, "minute": 38}
